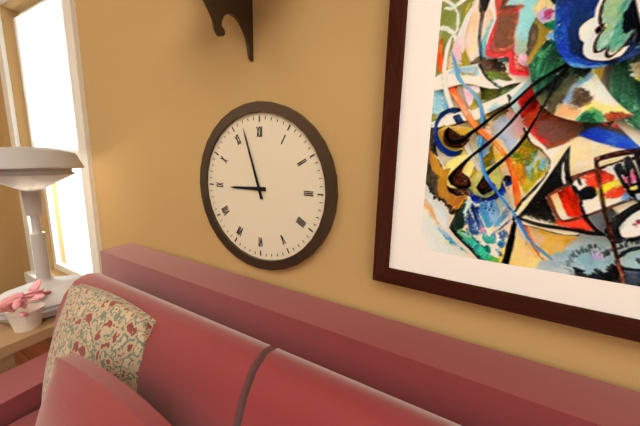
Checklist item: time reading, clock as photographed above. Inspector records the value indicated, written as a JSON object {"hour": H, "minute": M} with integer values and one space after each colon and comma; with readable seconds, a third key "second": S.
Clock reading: {"hour": 8, "minute": 57}
